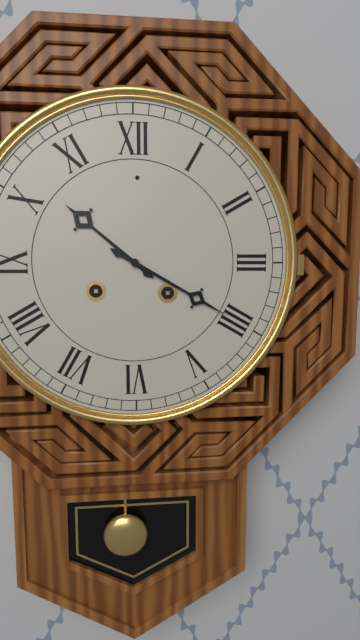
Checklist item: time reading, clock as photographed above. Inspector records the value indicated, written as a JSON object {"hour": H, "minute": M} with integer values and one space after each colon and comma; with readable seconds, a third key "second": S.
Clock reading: {"hour": 10, "minute": 20}
